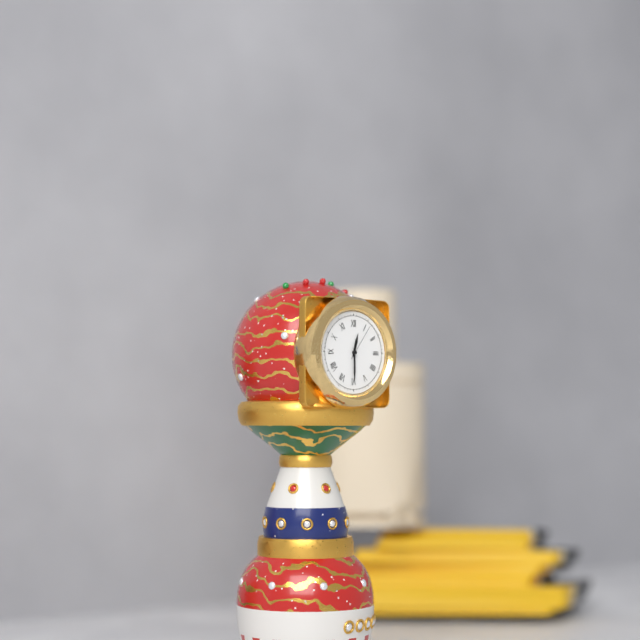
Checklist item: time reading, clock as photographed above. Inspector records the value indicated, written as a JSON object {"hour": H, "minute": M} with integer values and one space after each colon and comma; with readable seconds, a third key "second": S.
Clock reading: {"hour": 12, "minute": 30}
